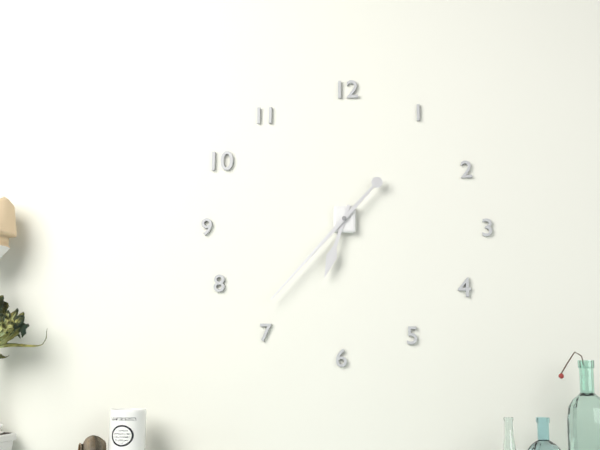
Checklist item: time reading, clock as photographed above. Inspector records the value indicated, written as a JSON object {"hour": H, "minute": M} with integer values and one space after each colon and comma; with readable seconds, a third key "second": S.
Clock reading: {"hour": 6, "minute": 37}
